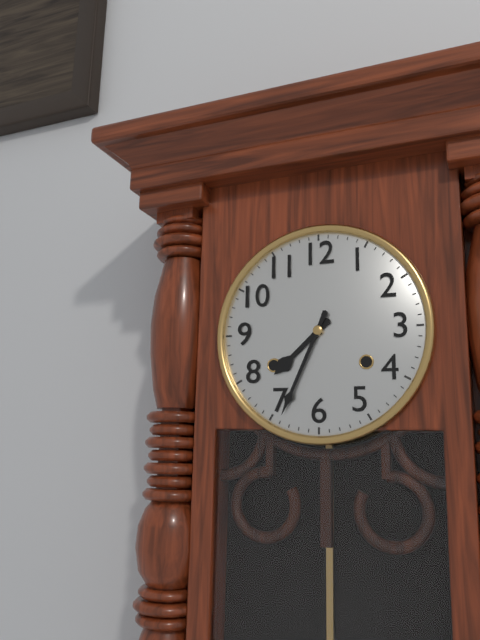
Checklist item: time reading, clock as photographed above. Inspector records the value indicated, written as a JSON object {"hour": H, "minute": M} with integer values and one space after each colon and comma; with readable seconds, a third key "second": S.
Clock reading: {"hour": 7, "minute": 34}
